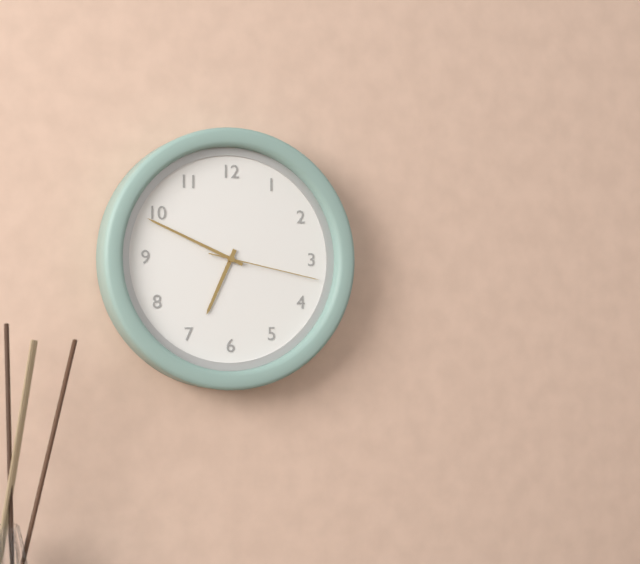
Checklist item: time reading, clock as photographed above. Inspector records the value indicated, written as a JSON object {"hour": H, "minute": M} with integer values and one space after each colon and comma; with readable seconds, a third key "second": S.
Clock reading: {"hour": 6, "minute": 49, "second": 17}
